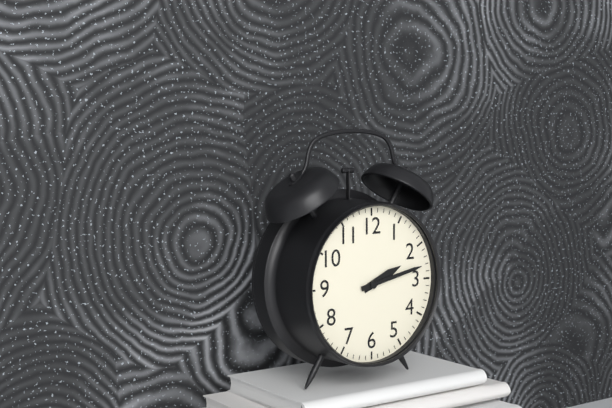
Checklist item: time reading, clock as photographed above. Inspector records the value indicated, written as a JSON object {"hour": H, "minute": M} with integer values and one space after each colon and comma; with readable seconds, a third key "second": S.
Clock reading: {"hour": 2, "minute": 13}
